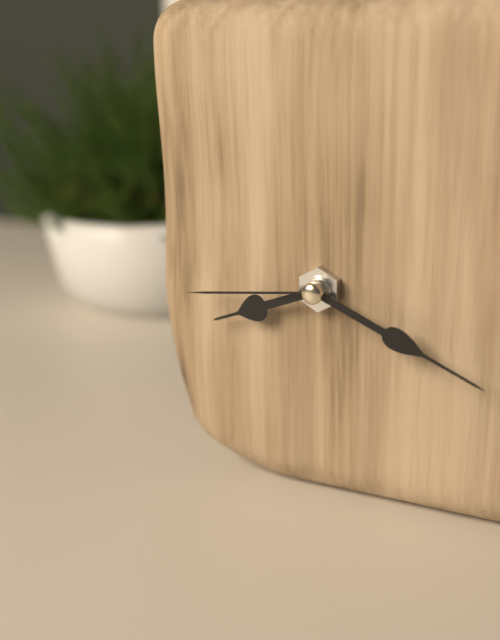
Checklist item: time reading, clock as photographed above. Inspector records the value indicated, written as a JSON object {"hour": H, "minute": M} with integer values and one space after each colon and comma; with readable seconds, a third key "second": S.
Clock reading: {"hour": 8, "minute": 19, "second": 44}
